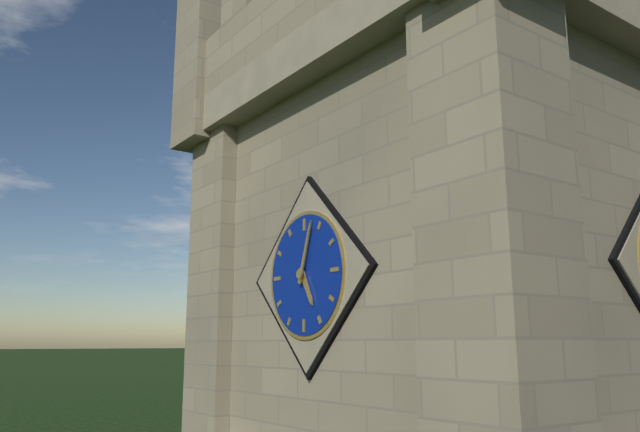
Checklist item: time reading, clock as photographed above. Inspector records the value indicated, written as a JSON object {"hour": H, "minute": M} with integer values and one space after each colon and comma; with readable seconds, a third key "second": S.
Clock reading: {"hour": 5, "minute": 3}
